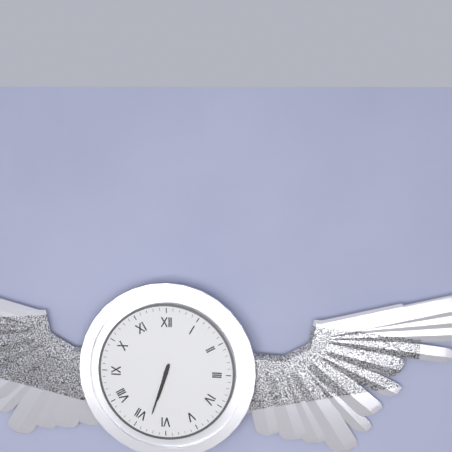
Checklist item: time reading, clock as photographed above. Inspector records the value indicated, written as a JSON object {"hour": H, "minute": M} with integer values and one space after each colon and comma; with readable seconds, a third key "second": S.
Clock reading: {"hour": 6, "minute": 33}
